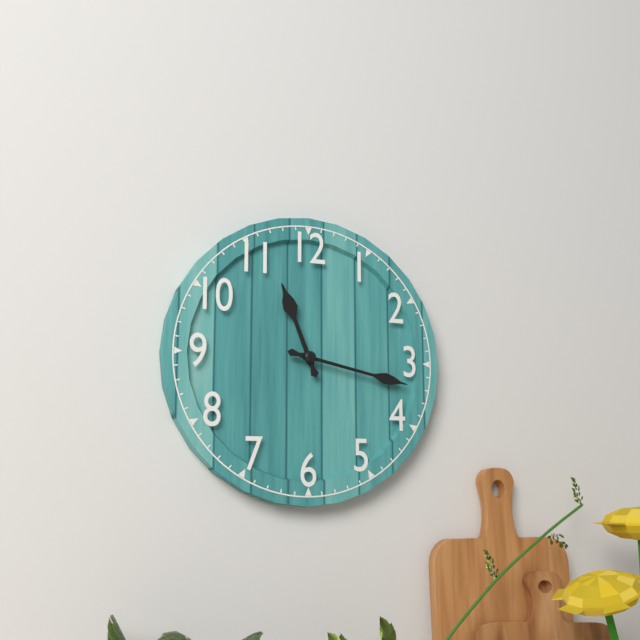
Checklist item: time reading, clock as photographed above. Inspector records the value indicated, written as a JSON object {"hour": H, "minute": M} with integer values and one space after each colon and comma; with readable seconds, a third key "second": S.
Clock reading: {"hour": 11, "minute": 17}
